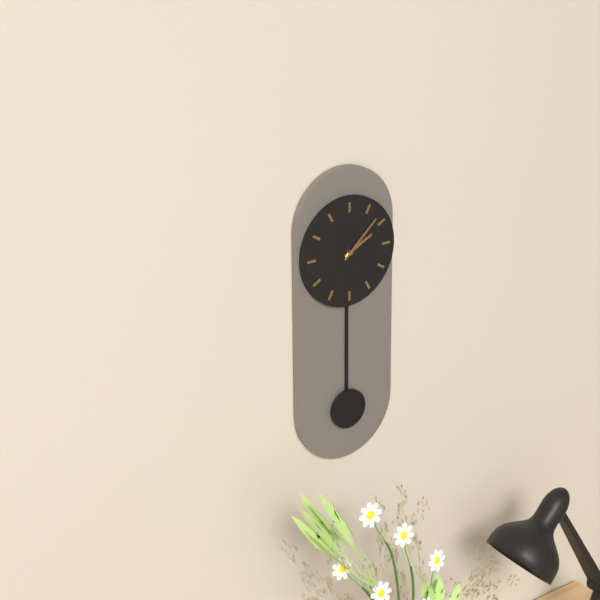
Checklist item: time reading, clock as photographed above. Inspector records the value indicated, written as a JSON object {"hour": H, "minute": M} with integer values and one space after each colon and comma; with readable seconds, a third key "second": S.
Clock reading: {"hour": 2, "minute": 8}
